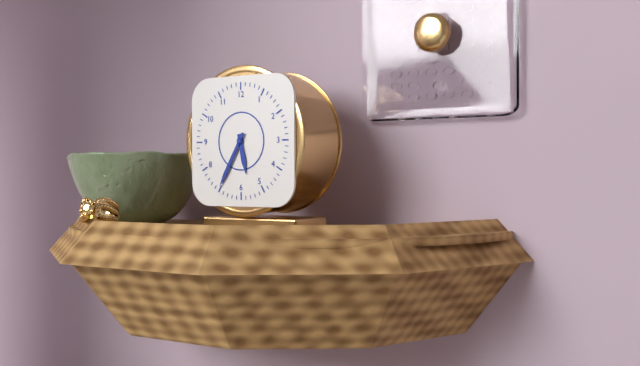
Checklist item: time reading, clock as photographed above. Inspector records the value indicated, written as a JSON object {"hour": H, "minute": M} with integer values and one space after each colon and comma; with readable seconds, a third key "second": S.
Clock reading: {"hour": 5, "minute": 35}
